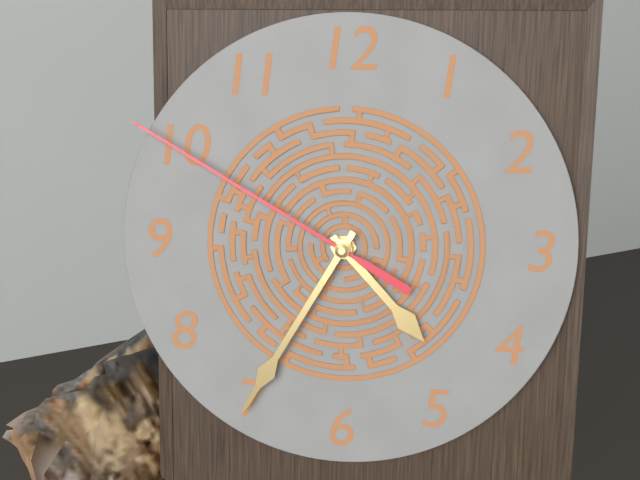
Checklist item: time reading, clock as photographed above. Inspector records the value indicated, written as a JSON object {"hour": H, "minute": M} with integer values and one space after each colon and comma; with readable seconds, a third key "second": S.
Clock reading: {"hour": 4, "minute": 35, "second": 50}
